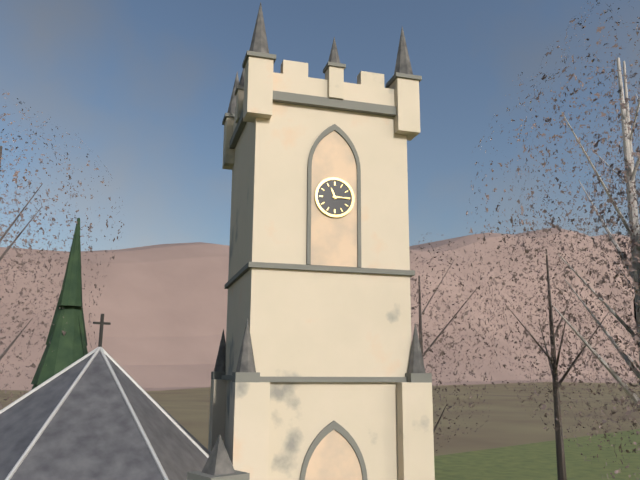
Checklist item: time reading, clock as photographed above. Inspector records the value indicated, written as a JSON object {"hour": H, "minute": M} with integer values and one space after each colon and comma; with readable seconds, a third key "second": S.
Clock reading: {"hour": 11, "minute": 15}
